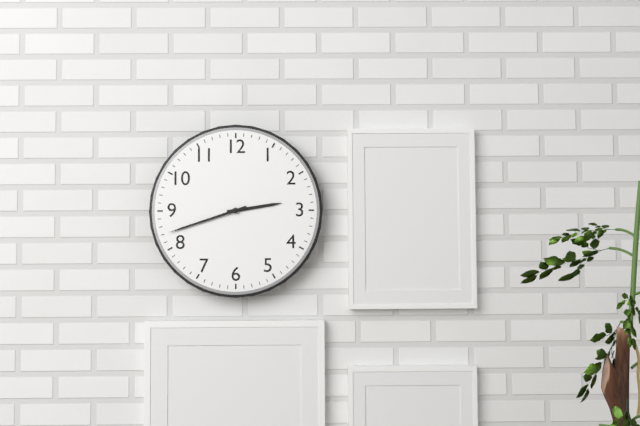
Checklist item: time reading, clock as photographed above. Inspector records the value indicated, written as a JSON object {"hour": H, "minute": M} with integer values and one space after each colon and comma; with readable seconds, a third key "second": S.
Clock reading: {"hour": 2, "minute": 42}
